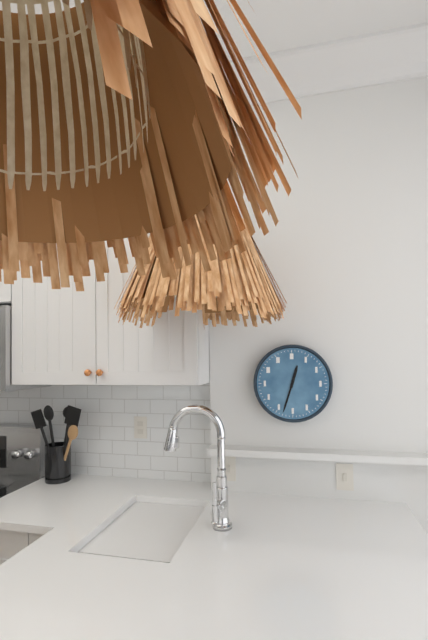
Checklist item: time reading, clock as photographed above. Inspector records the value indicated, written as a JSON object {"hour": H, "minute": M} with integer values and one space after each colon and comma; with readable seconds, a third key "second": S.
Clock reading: {"hour": 12, "minute": 33}
